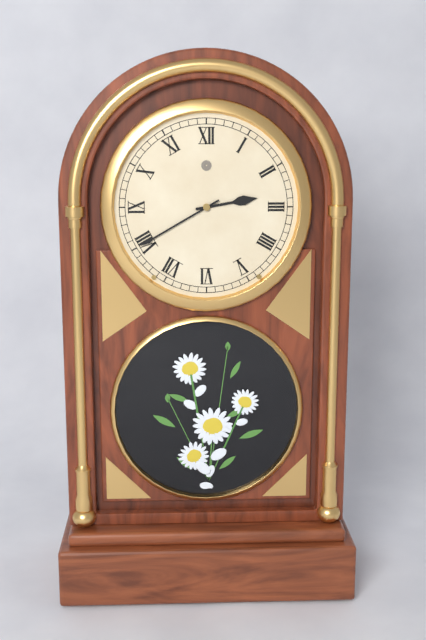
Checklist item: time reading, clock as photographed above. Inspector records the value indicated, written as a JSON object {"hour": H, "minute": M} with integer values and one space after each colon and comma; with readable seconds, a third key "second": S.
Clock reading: {"hour": 2, "minute": 40}
